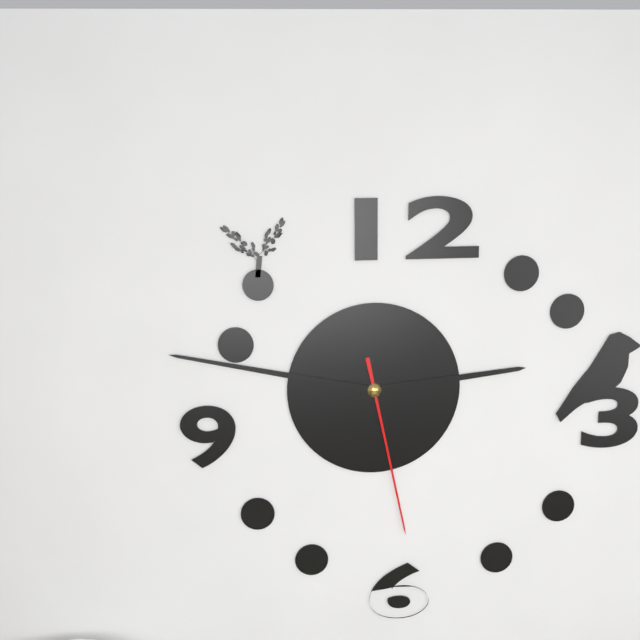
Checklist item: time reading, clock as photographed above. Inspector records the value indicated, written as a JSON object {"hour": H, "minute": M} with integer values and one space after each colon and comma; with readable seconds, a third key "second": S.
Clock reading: {"hour": 2, "minute": 47, "second": 28}
